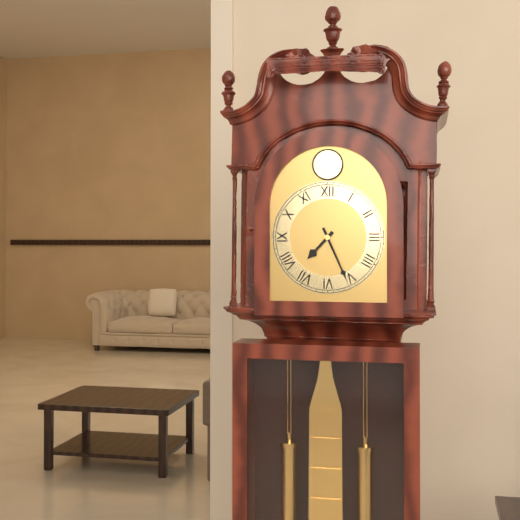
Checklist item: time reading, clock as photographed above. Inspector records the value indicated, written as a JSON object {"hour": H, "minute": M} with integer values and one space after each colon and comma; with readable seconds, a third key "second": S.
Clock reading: {"hour": 7, "minute": 26}
